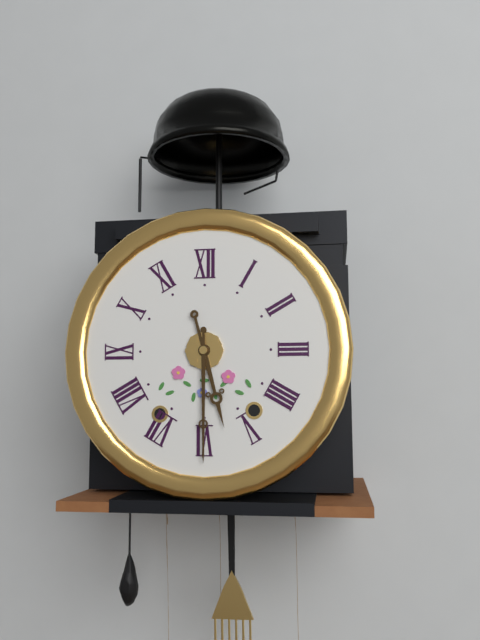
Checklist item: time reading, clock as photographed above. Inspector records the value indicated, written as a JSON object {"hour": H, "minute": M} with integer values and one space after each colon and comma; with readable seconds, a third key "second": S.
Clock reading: {"hour": 5, "minute": 30}
